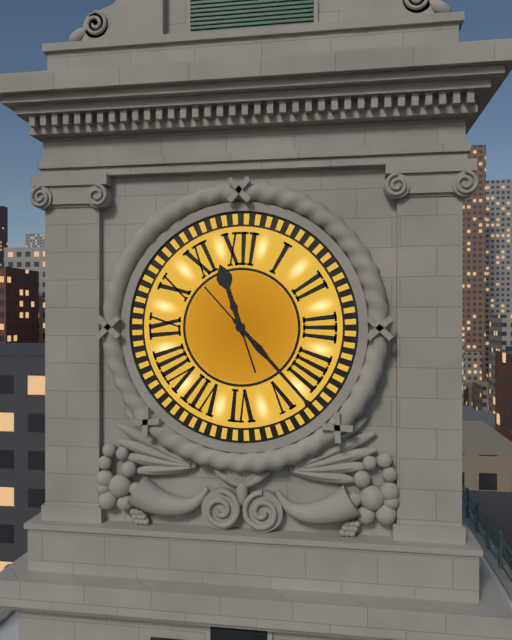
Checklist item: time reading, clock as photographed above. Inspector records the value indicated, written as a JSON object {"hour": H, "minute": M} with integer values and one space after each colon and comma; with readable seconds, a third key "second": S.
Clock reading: {"hour": 11, "minute": 23}
